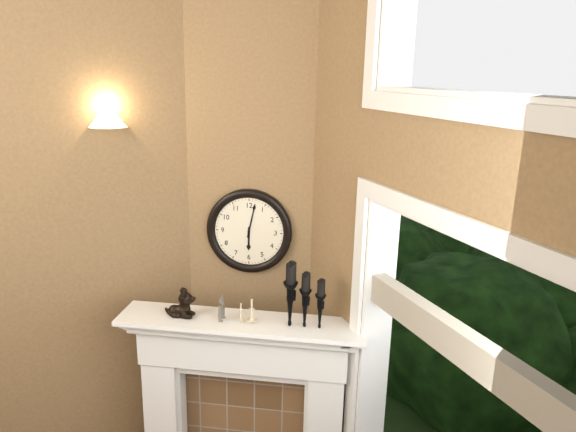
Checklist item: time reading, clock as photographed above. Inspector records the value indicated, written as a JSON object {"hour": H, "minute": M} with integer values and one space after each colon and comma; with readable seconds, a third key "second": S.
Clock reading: {"hour": 6, "minute": 2}
